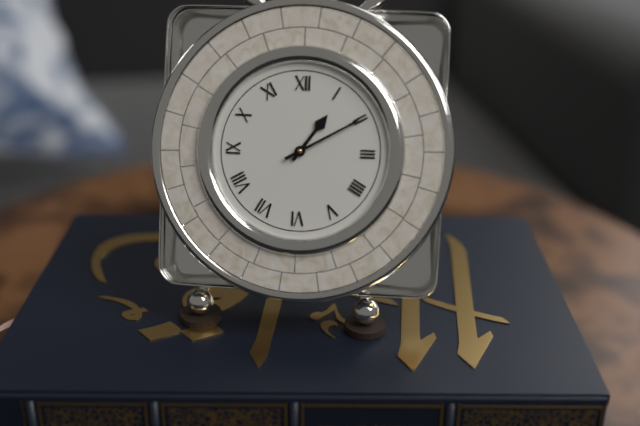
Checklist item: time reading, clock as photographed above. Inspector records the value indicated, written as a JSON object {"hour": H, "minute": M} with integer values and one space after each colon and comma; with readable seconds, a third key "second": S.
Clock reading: {"hour": 1, "minute": 10}
